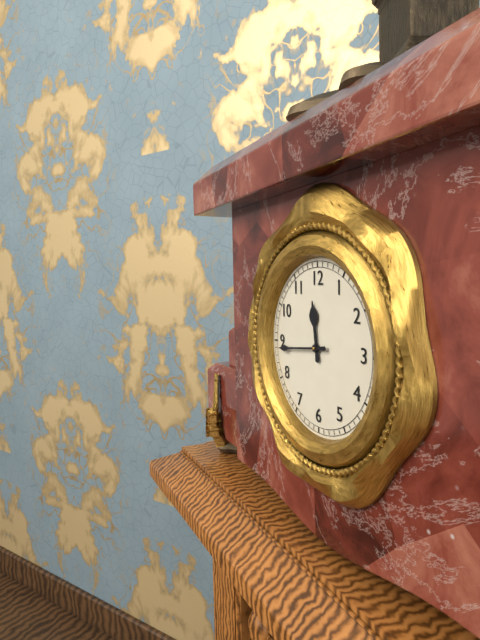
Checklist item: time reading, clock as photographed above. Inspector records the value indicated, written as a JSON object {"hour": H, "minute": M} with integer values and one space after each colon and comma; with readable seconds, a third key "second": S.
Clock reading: {"hour": 11, "minute": 44}
